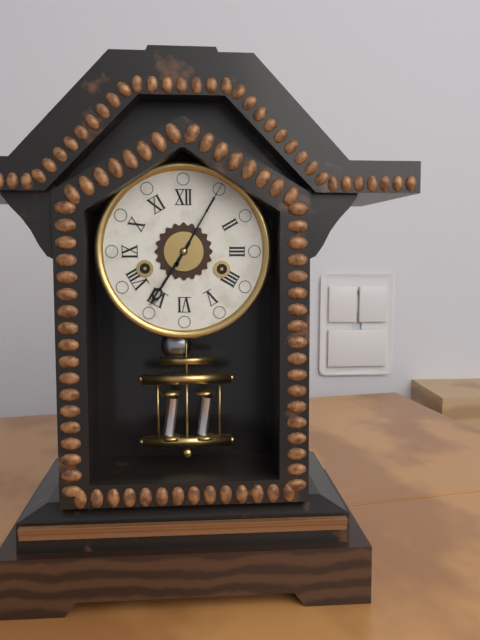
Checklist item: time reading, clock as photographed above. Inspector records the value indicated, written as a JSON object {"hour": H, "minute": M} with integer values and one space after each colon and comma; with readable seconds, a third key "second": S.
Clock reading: {"hour": 7, "minute": 5}
